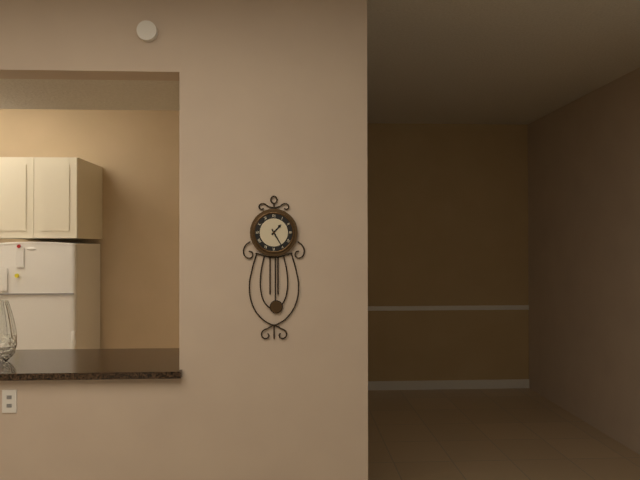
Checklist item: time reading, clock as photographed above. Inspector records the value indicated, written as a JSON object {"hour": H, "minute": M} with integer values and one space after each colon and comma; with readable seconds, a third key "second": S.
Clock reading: {"hour": 1, "minute": 25}
